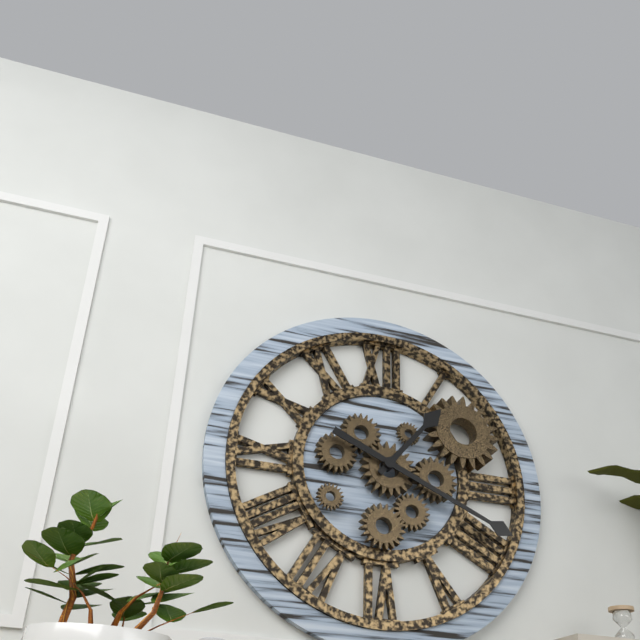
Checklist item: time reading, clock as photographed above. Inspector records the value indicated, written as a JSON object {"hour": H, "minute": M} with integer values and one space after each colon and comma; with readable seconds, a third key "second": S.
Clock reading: {"hour": 1, "minute": 19}
